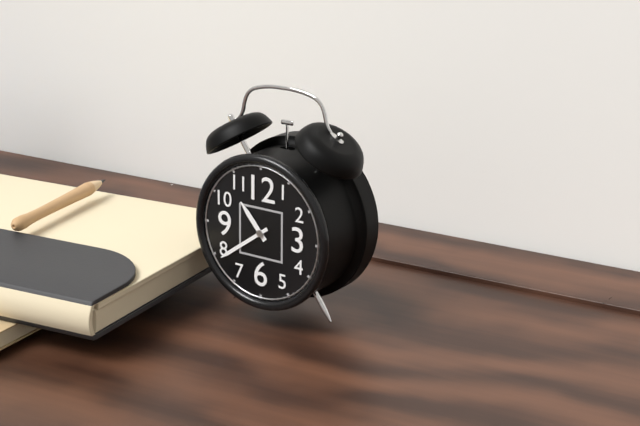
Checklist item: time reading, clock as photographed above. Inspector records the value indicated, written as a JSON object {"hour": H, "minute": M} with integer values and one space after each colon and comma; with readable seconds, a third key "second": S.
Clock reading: {"hour": 10, "minute": 39}
